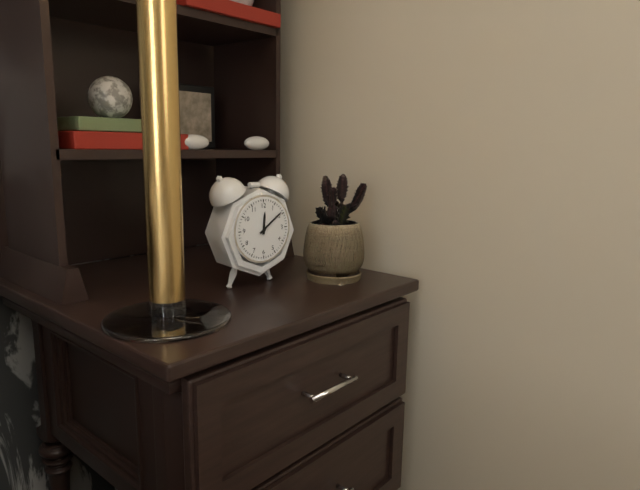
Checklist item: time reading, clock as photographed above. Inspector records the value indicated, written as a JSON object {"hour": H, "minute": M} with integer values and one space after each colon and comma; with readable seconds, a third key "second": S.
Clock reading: {"hour": 12, "minute": 9}
